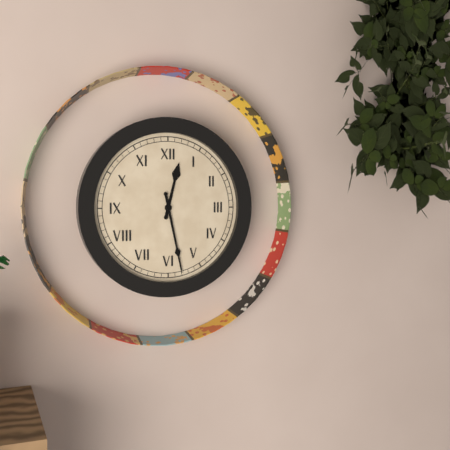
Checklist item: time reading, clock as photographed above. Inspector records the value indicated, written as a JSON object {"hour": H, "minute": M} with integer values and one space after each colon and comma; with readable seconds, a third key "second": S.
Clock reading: {"hour": 12, "minute": 28}
